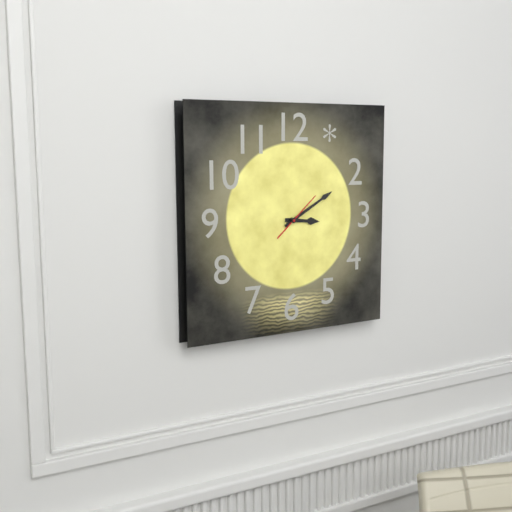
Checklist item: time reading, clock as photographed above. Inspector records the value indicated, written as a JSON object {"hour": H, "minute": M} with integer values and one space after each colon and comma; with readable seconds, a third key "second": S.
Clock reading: {"hour": 3, "minute": 10}
